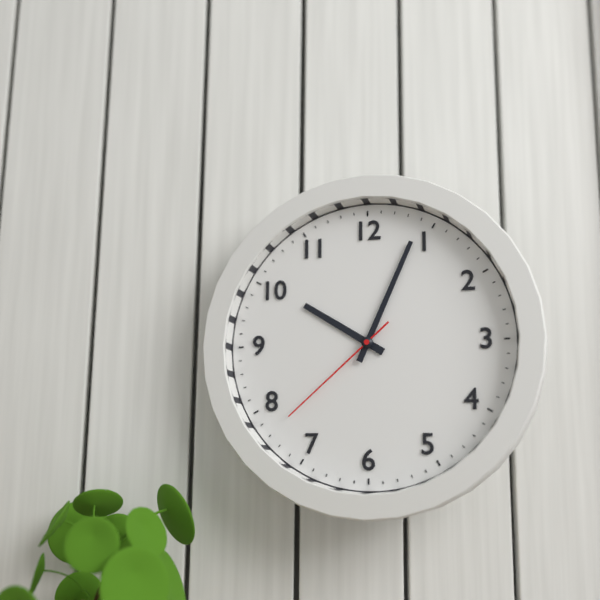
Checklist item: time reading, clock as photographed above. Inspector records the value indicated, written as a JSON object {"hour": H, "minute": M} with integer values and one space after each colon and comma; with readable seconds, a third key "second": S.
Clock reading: {"hour": 10, "minute": 4, "second": 38}
